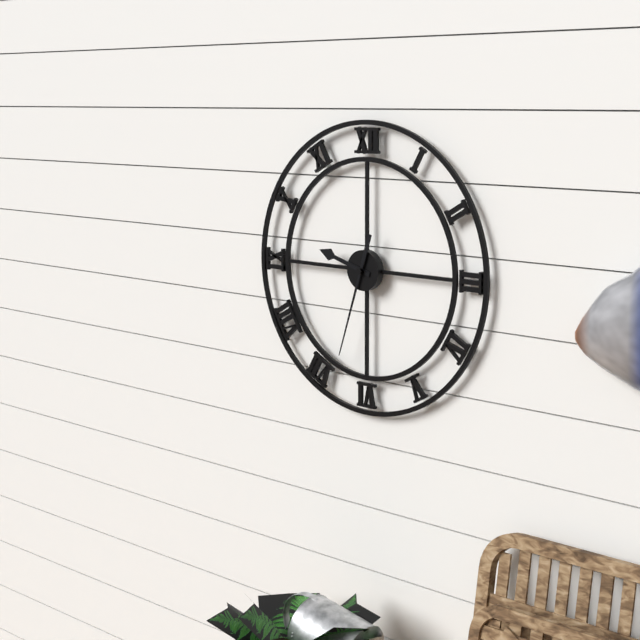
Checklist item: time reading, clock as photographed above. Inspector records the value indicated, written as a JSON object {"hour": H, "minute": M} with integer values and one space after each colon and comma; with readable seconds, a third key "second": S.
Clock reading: {"hour": 9, "minute": 33}
